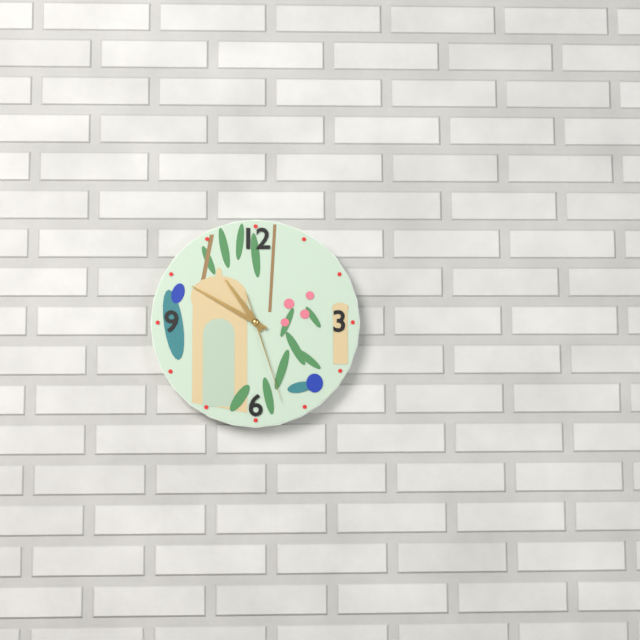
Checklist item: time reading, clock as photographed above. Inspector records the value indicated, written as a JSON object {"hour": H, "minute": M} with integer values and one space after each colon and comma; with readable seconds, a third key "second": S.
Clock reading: {"hour": 10, "minute": 50, "second": 27}
